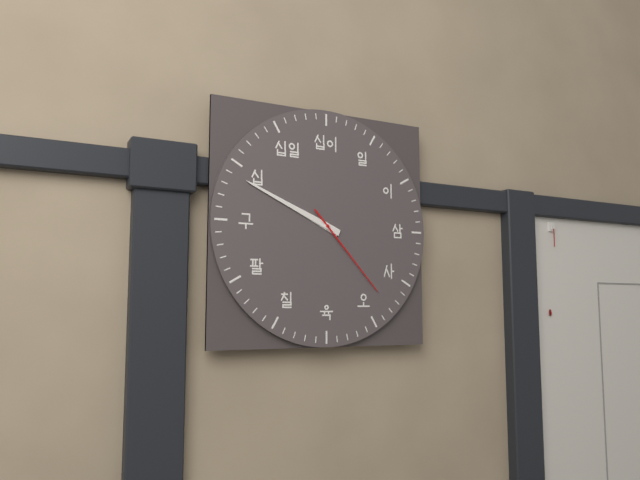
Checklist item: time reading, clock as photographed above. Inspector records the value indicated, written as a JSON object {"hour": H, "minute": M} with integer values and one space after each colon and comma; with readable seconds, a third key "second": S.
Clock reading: {"hour": 9, "minute": 49, "second": 23}
